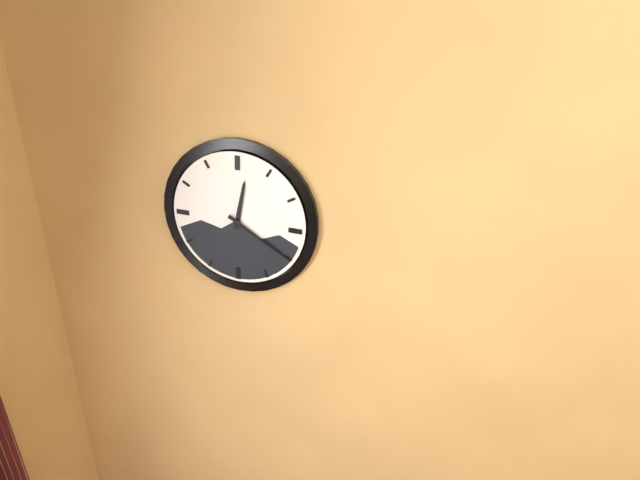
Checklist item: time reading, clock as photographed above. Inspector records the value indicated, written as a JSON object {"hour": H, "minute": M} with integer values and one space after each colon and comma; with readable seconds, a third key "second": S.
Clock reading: {"hour": 12, "minute": 20}
